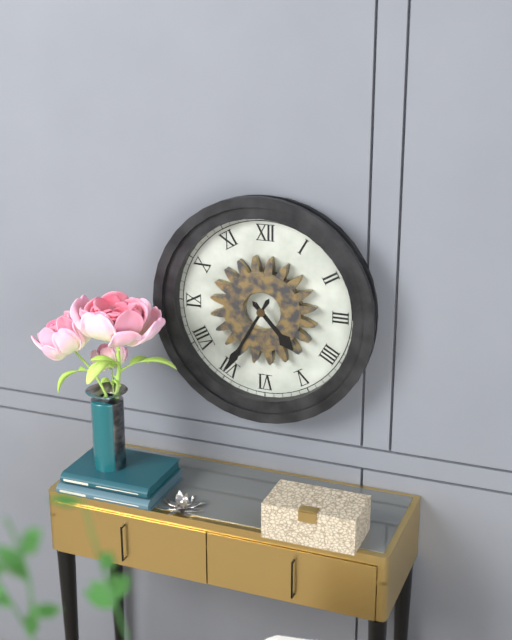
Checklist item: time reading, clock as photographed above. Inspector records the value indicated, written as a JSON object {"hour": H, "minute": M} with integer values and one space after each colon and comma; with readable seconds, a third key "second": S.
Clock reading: {"hour": 4, "minute": 35}
